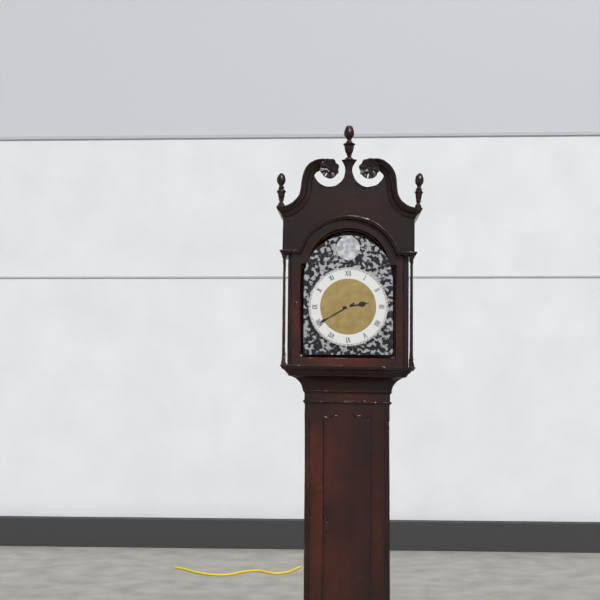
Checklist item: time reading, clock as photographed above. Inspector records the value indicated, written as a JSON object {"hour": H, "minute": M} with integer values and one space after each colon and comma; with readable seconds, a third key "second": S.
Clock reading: {"hour": 2, "minute": 40}
